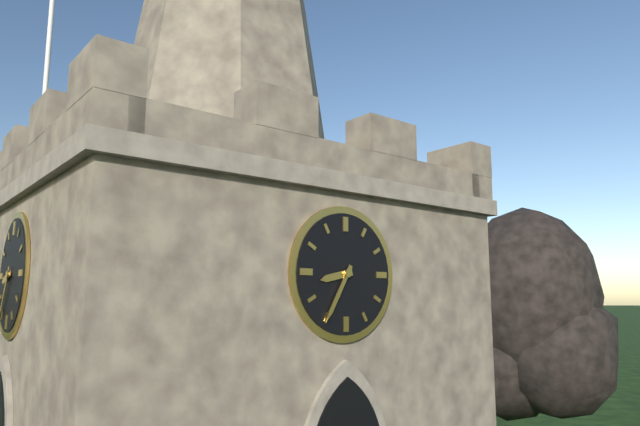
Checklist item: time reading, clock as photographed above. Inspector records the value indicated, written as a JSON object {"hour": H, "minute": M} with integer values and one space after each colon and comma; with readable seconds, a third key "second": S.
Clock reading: {"hour": 8, "minute": 35}
